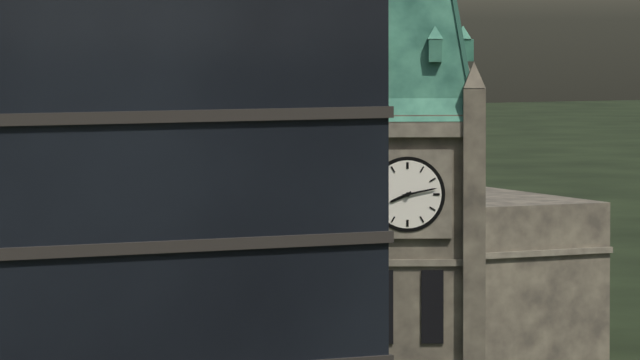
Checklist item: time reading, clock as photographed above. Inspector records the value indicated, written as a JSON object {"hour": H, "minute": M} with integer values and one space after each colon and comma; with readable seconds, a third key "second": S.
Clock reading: {"hour": 8, "minute": 13}
